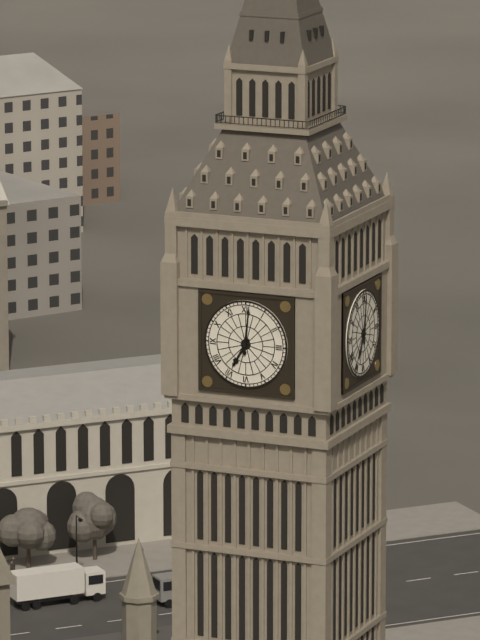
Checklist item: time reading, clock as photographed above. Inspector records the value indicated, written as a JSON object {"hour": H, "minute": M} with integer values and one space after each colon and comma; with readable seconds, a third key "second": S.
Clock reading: {"hour": 7, "minute": 1}
